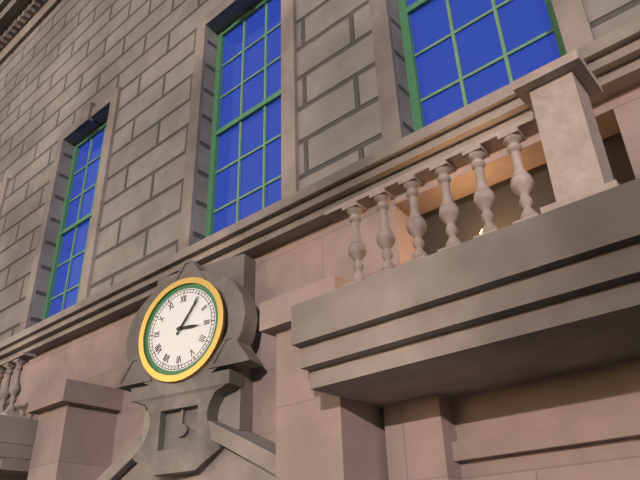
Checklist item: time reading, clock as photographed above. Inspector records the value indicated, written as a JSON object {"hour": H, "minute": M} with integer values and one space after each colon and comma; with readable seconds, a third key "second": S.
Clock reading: {"hour": 3, "minute": 6}
